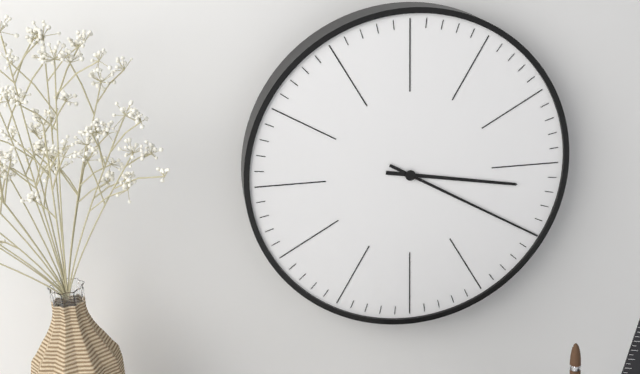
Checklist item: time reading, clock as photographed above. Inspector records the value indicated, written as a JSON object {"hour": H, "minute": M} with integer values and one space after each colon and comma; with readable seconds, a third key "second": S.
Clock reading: {"hour": 3, "minute": 20}
